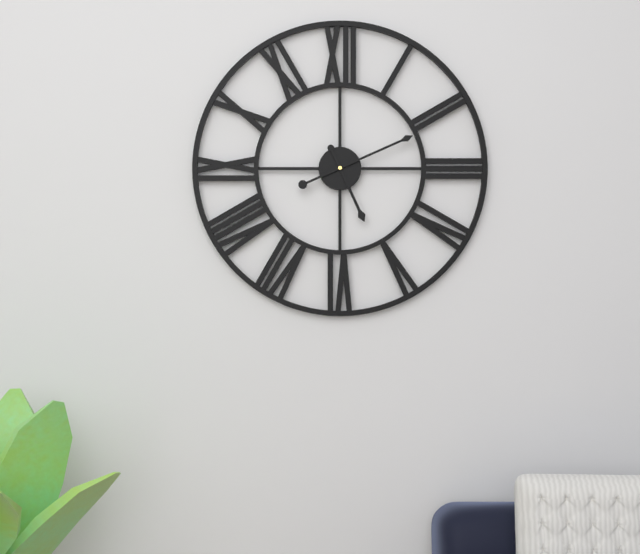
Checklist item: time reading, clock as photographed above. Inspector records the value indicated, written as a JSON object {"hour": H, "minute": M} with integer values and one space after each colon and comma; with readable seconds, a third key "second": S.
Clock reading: {"hour": 5, "minute": 11}
